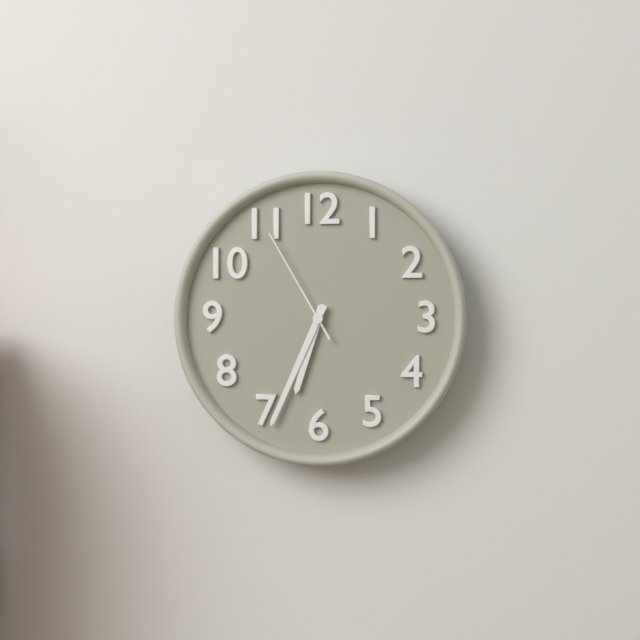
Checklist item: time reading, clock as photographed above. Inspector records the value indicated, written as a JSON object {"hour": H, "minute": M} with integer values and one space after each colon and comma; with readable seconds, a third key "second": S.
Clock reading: {"hour": 6, "minute": 34, "second": 55}
